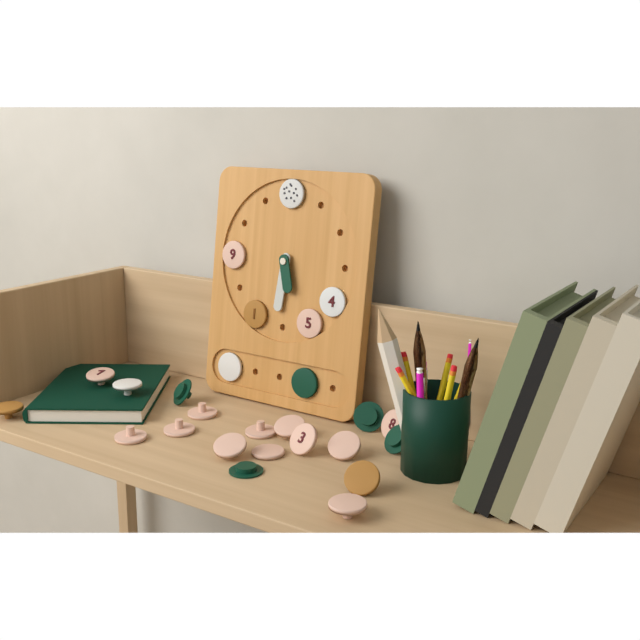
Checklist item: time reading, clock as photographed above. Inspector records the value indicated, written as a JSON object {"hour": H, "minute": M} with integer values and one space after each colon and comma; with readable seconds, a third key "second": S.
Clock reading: {"hour": 5, "minute": 31}
